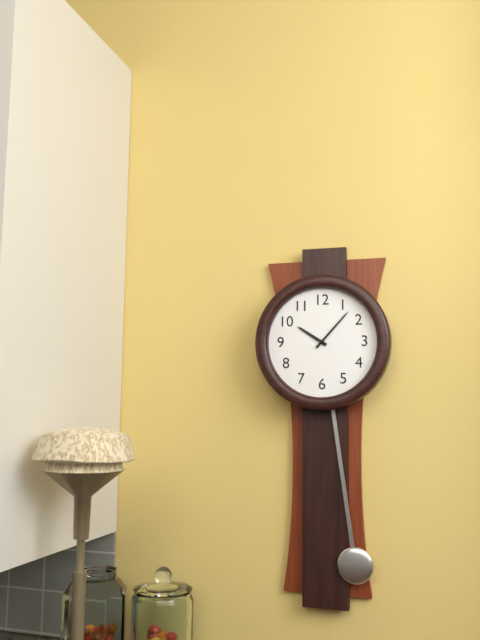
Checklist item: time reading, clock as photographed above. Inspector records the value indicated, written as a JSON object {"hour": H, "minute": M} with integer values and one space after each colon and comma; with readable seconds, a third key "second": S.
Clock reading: {"hour": 10, "minute": 7}
